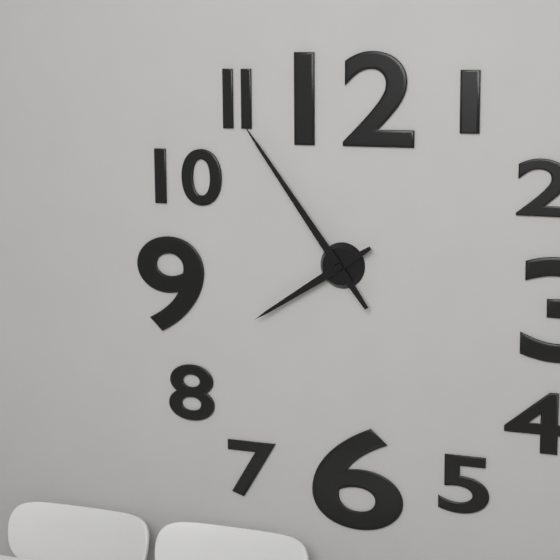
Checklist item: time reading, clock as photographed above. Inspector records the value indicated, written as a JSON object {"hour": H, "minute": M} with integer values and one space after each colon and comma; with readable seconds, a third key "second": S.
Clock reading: {"hour": 7, "minute": 54}
